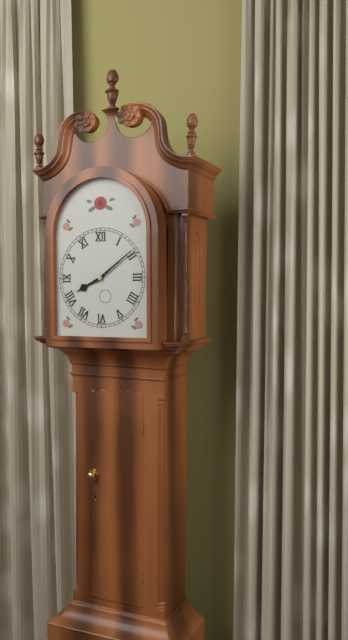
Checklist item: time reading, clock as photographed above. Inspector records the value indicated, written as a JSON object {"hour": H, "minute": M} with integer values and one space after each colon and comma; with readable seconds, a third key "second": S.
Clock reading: {"hour": 8, "minute": 9}
